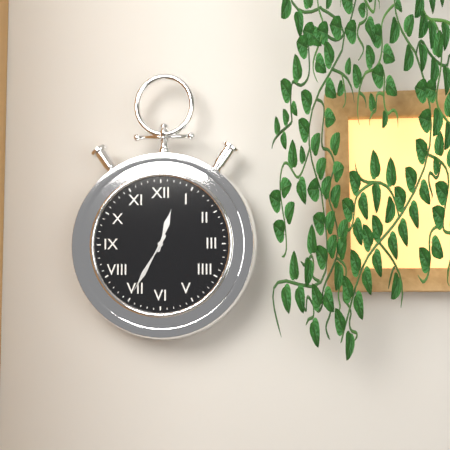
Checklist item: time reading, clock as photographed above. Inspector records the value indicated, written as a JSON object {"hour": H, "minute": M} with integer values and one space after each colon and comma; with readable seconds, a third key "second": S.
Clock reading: {"hour": 12, "minute": 35}
